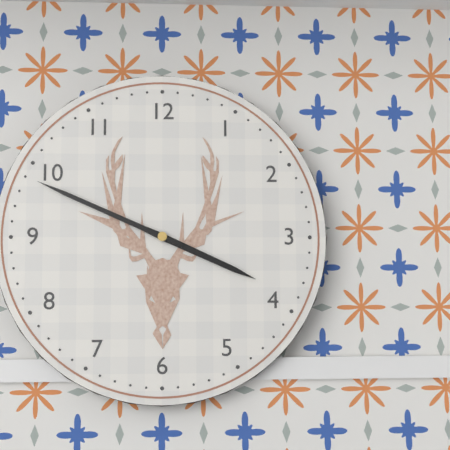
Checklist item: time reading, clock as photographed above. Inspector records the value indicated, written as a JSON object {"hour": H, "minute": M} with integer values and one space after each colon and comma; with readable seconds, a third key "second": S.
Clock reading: {"hour": 3, "minute": 49}
